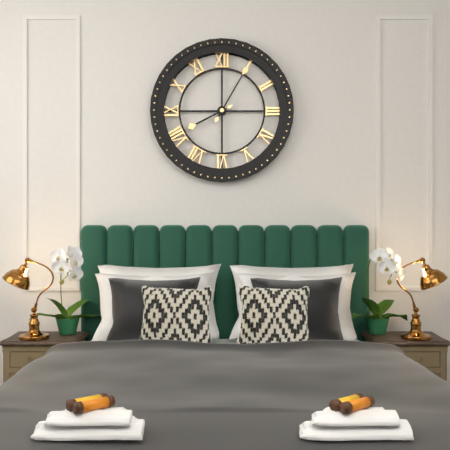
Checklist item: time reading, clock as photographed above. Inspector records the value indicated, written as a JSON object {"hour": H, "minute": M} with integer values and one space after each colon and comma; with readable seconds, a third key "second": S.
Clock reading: {"hour": 8, "minute": 5}
